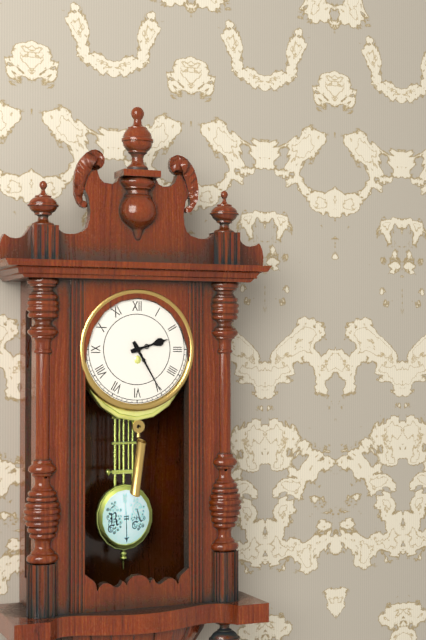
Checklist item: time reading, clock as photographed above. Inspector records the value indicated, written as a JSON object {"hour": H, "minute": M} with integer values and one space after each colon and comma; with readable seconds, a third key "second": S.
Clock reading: {"hour": 2, "minute": 25}
